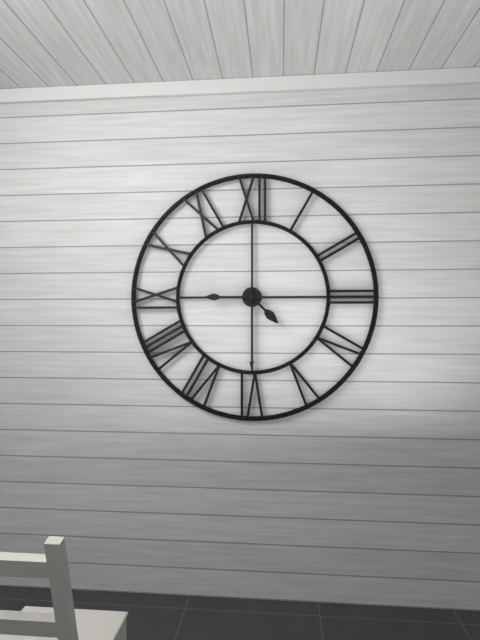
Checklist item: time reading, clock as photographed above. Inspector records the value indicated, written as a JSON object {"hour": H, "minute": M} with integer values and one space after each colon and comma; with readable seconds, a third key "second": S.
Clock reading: {"hour": 4, "minute": 30, "second": 45}
